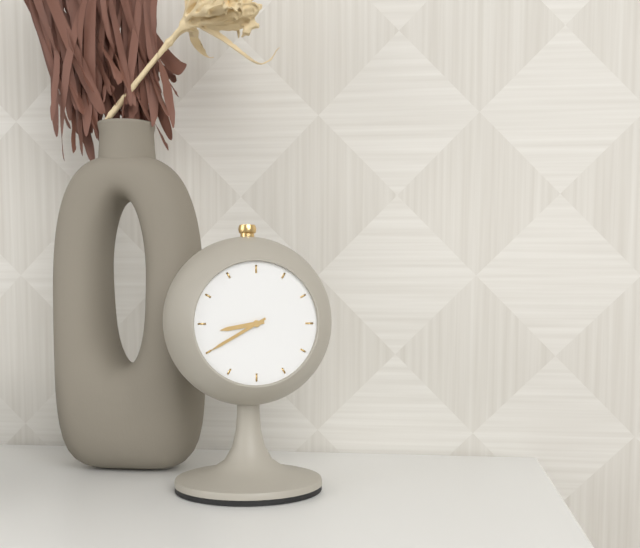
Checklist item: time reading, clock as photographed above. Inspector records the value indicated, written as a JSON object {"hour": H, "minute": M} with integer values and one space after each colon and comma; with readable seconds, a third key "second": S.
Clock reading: {"hour": 8, "minute": 40}
